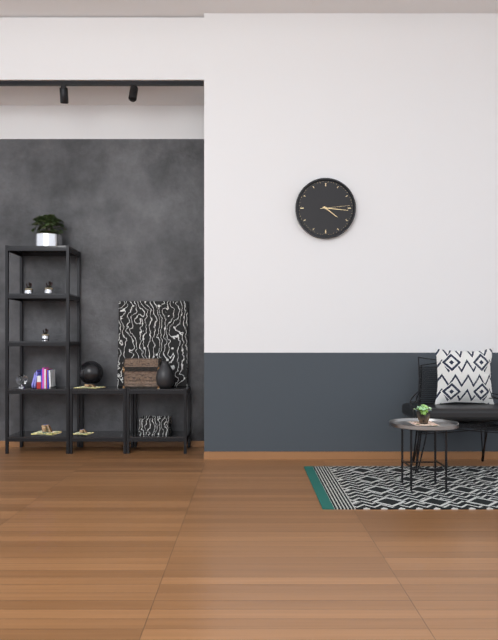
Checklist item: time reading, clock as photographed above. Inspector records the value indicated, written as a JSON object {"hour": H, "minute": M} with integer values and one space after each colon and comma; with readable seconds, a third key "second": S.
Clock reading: {"hour": 4, "minute": 16}
